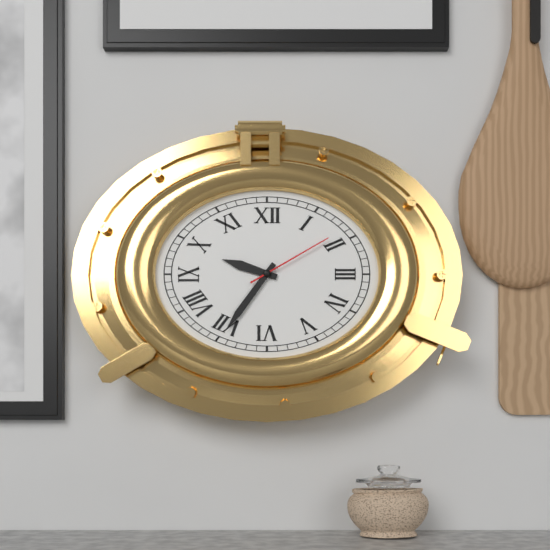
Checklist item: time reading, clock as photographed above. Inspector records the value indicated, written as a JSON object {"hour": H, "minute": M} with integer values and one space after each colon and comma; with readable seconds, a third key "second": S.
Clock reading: {"hour": 9, "minute": 36, "second": 10}
